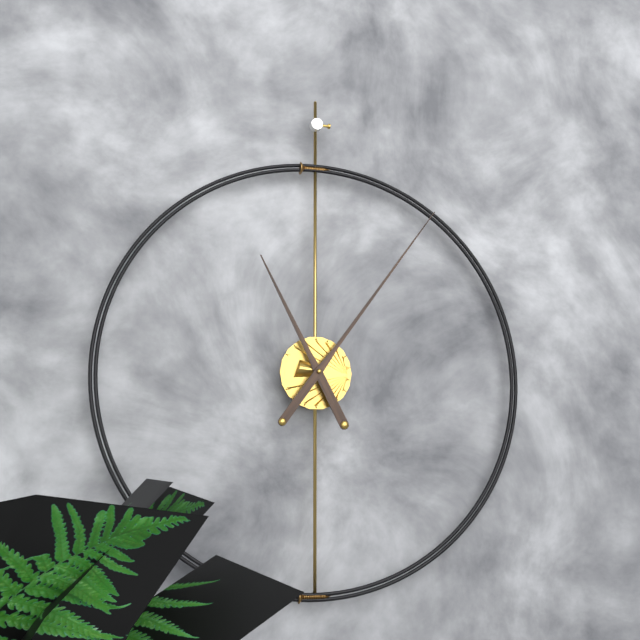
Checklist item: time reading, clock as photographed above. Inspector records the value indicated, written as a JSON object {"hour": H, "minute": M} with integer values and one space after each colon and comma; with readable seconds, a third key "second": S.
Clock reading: {"hour": 11, "minute": 6}
